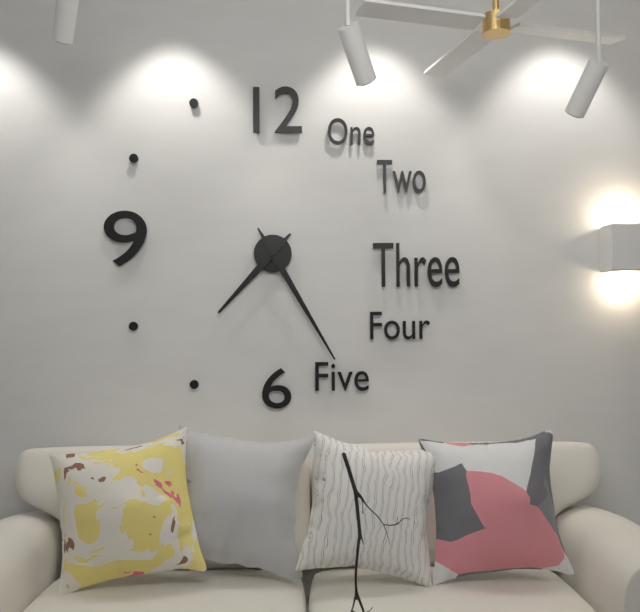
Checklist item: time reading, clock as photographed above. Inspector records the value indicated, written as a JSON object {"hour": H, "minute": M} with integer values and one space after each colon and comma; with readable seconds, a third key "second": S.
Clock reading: {"hour": 7, "minute": 25}
